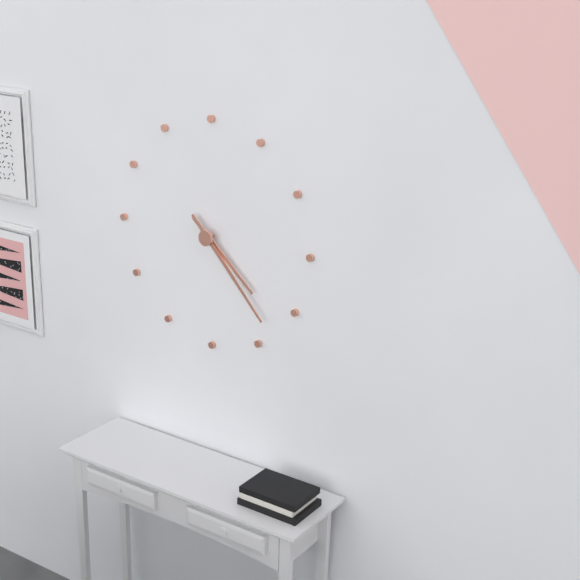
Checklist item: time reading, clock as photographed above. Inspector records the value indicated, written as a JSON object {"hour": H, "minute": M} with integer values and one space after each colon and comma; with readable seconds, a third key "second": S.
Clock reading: {"hour": 4, "minute": 23}
